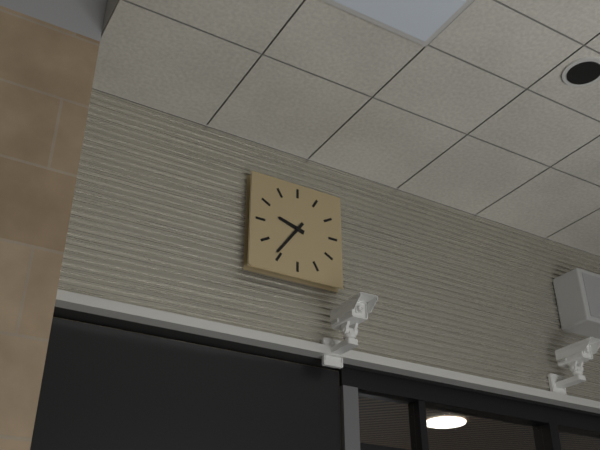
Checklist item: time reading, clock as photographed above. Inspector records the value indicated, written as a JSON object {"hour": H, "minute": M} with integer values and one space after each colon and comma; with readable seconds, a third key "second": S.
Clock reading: {"hour": 9, "minute": 36}
